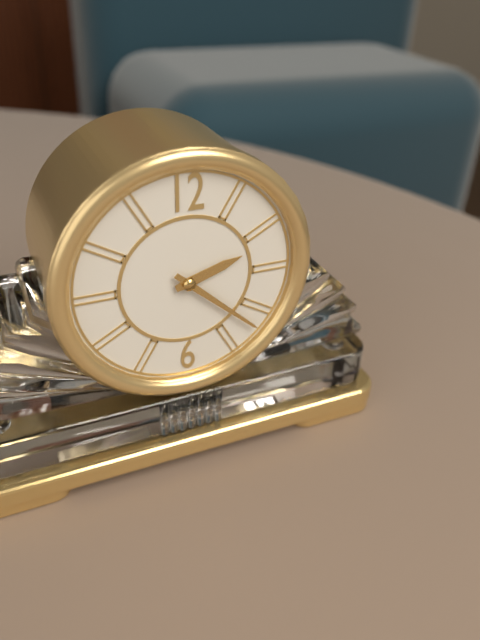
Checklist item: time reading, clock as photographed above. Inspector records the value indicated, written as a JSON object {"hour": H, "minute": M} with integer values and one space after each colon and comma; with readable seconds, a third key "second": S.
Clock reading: {"hour": 2, "minute": 22}
